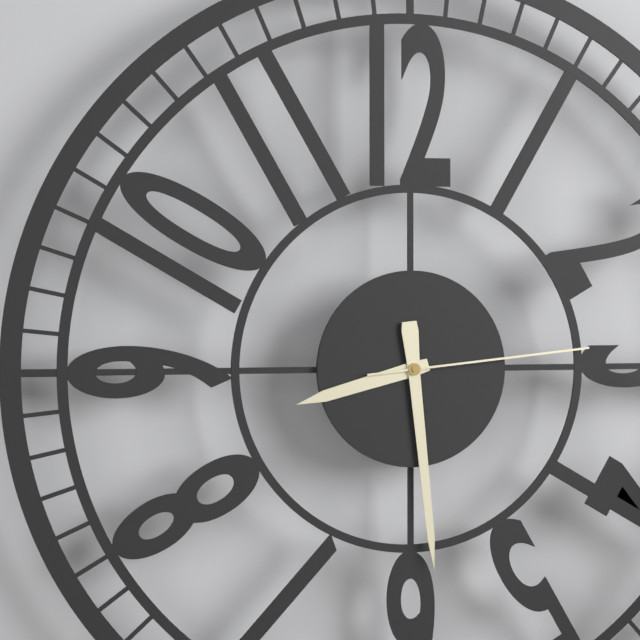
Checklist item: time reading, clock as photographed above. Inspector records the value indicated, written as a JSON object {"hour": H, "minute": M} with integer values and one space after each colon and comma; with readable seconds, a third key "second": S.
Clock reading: {"hour": 8, "minute": 29, "second": 14}
